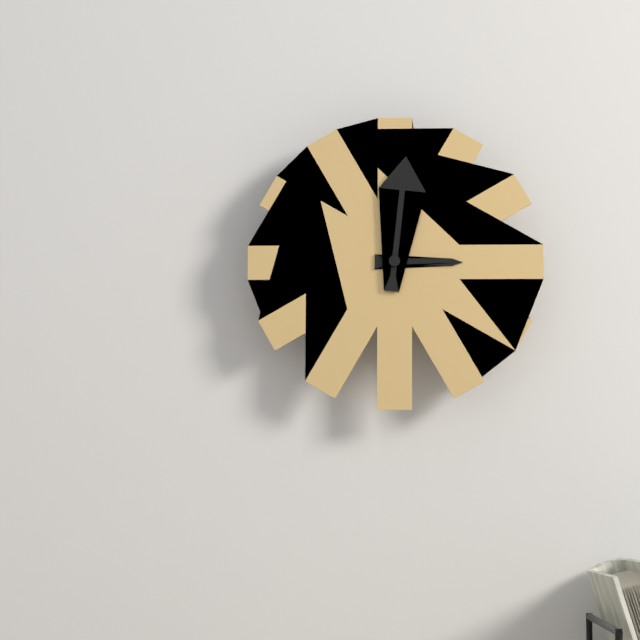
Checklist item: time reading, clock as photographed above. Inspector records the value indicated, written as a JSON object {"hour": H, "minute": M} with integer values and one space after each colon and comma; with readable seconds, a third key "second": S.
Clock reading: {"hour": 3, "minute": 1}
